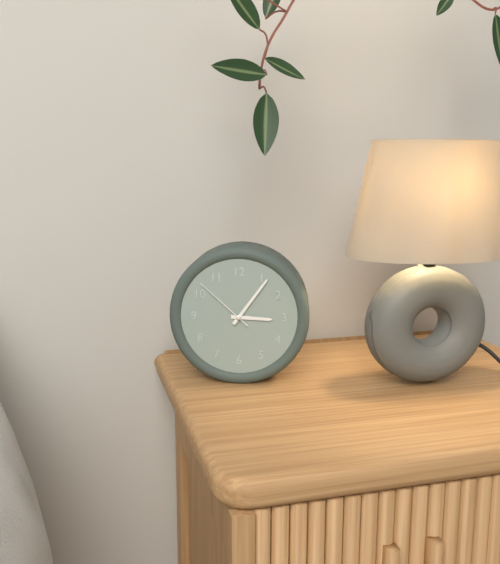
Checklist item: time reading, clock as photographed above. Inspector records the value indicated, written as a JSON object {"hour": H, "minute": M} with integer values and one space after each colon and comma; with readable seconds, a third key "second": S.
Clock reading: {"hour": 3, "minute": 6, "second": 52}
